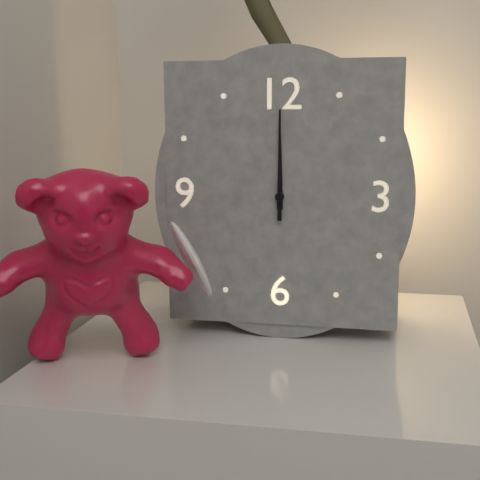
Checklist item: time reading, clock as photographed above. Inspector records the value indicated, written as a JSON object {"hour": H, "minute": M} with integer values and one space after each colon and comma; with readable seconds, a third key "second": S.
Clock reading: {"hour": 12, "minute": 0}
